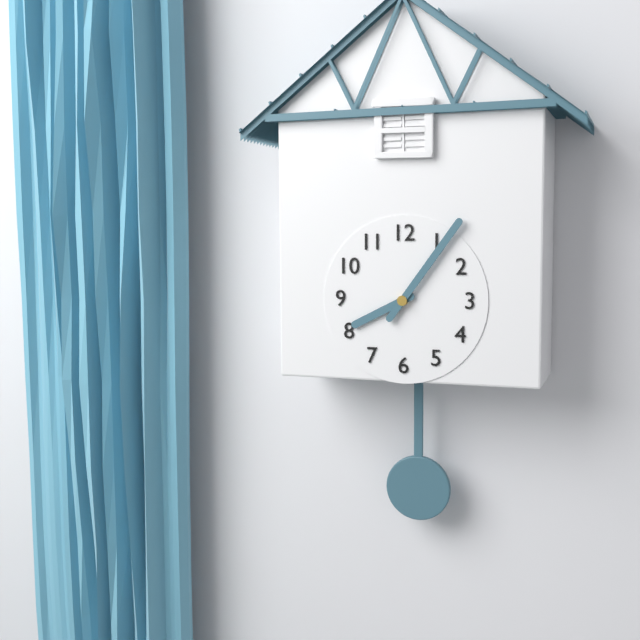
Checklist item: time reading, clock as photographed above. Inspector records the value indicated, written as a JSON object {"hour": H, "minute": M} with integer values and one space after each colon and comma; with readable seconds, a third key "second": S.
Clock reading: {"hour": 8, "minute": 6}
